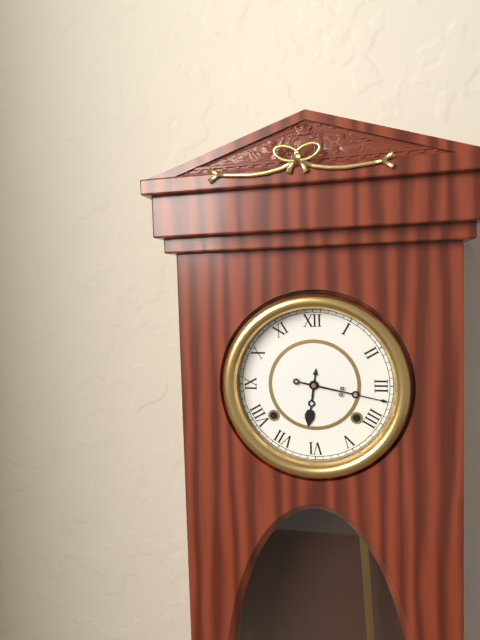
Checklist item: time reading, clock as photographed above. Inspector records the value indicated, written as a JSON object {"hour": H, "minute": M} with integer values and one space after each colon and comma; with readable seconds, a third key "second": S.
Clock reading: {"hour": 6, "minute": 17}
